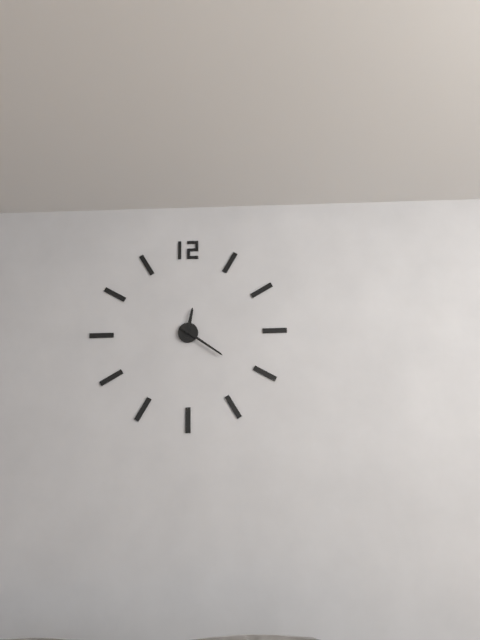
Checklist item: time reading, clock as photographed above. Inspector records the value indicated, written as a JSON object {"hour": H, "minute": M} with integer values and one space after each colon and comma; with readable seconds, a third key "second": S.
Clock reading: {"hour": 12, "minute": 21}
